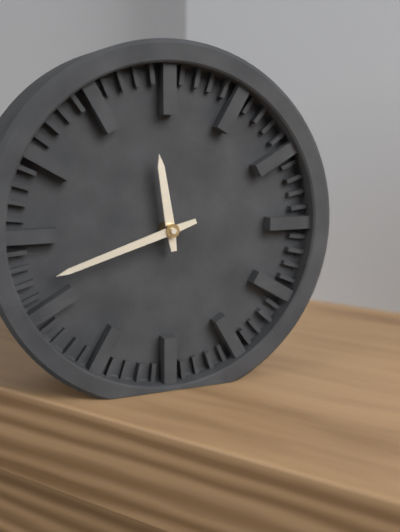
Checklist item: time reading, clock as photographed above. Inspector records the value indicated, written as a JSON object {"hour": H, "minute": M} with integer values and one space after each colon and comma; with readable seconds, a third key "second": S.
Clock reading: {"hour": 11, "minute": 42}
